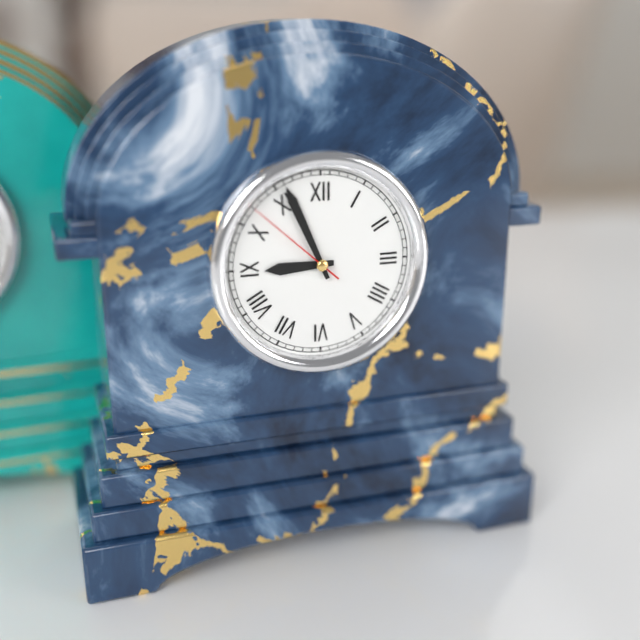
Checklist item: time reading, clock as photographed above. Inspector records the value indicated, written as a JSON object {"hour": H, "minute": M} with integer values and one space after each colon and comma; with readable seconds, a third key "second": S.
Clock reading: {"hour": 8, "minute": 56, "second": 52}
